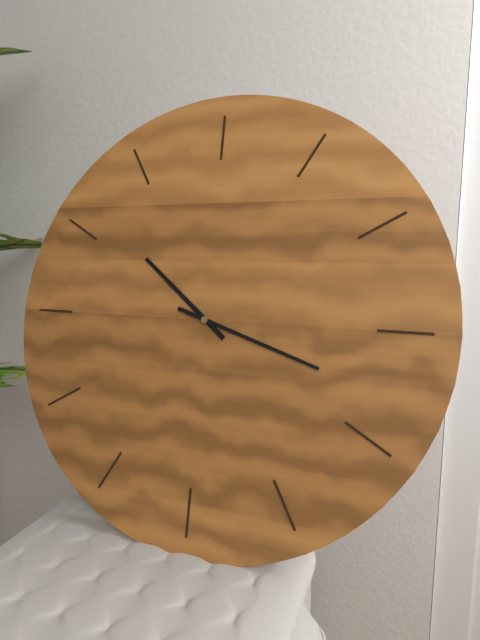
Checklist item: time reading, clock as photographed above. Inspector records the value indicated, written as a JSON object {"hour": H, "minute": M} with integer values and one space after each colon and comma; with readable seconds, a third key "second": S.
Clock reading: {"hour": 10, "minute": 18}
